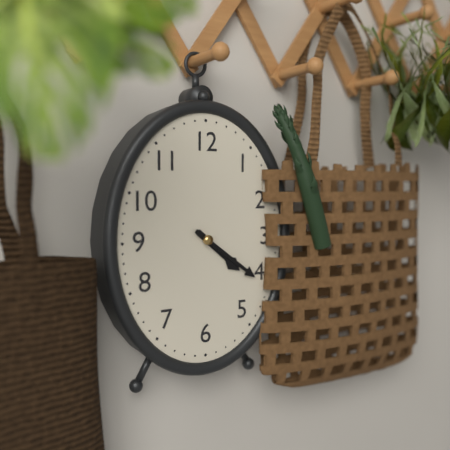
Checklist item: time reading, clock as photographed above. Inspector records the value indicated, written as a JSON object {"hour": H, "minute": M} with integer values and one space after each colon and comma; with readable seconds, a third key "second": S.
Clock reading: {"hour": 4, "minute": 21}
